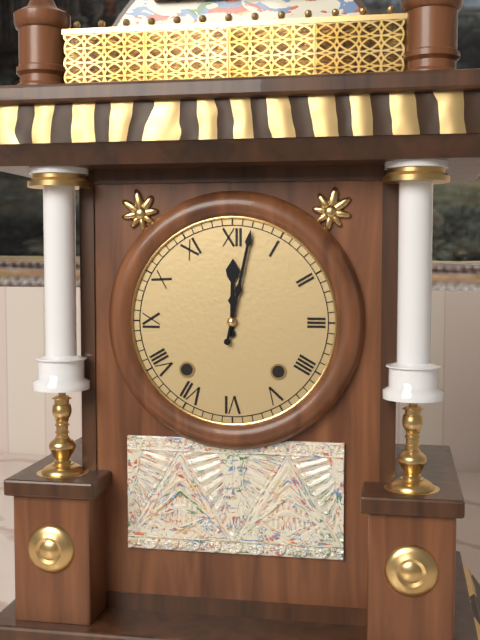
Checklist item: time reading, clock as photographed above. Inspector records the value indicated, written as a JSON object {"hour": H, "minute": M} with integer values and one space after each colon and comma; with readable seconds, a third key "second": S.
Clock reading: {"hour": 12, "minute": 2}
